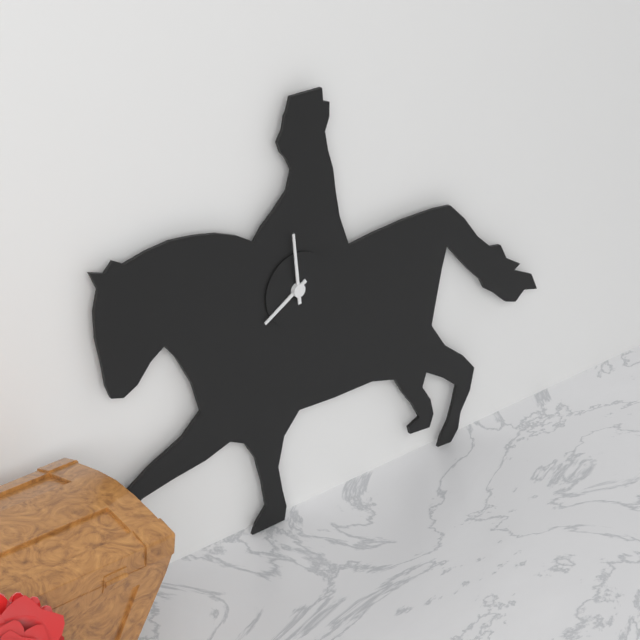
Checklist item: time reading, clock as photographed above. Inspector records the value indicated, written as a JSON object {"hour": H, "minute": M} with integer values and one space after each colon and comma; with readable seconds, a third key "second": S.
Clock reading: {"hour": 7, "minute": 59}
